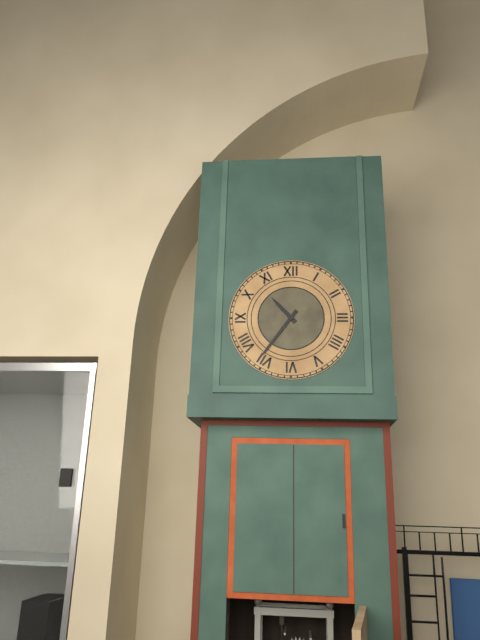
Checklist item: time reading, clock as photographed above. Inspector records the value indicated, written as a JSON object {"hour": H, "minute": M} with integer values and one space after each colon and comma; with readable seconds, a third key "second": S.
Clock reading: {"hour": 10, "minute": 36}
